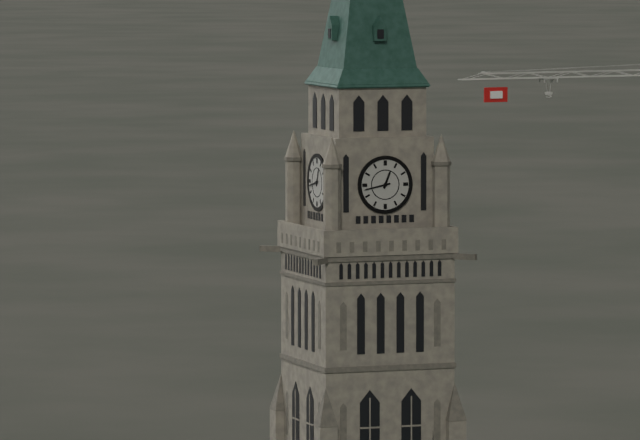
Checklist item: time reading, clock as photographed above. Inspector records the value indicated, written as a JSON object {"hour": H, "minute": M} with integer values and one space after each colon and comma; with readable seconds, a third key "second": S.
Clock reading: {"hour": 12, "minute": 43}
